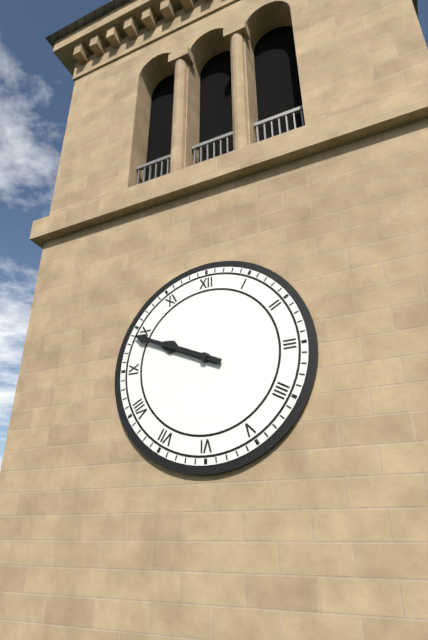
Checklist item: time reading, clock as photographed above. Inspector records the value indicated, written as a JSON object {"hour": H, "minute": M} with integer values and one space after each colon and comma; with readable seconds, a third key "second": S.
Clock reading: {"hour": 9, "minute": 49}
